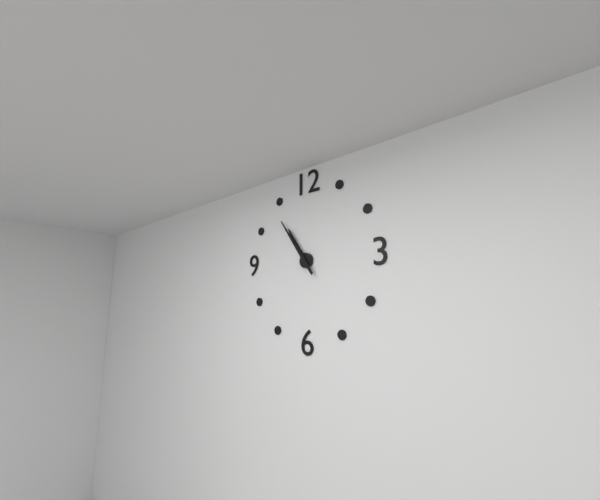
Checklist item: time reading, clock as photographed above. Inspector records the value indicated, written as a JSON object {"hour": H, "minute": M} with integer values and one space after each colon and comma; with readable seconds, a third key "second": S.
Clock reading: {"hour": 10, "minute": 54}
